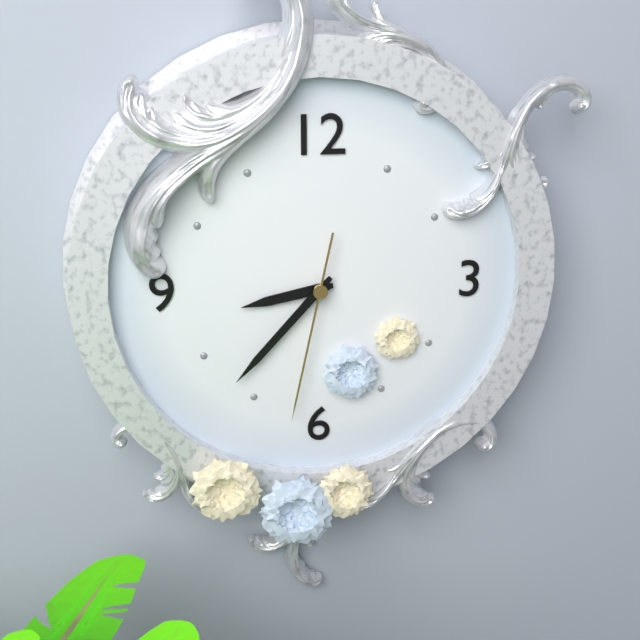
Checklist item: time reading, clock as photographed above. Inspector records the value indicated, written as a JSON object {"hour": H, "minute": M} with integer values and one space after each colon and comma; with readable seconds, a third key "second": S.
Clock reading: {"hour": 8, "minute": 37, "second": 32}
